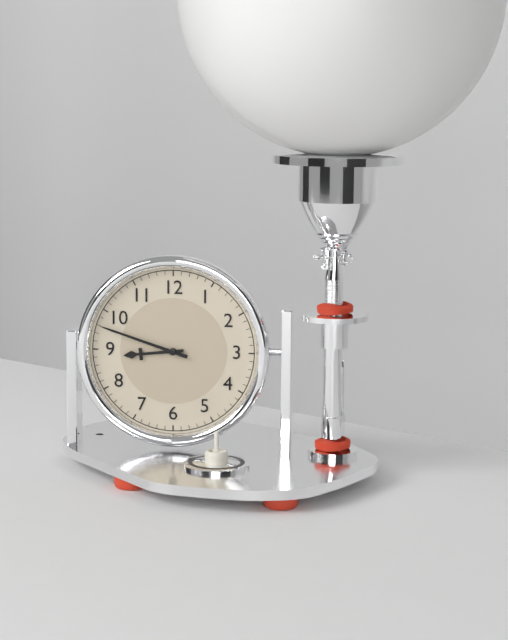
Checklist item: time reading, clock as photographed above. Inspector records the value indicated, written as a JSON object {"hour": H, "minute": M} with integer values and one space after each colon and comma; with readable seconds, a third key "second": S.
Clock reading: {"hour": 8, "minute": 48}
